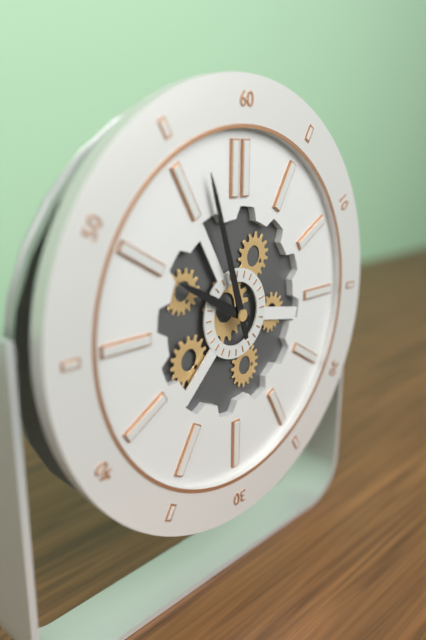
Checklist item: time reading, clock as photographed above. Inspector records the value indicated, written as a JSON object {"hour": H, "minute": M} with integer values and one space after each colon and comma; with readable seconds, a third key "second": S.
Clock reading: {"hour": 9, "minute": 57}
